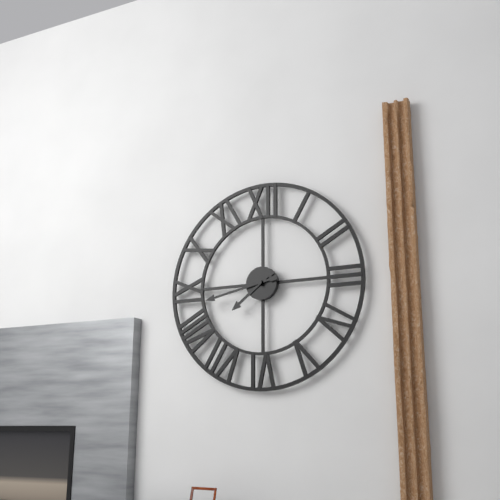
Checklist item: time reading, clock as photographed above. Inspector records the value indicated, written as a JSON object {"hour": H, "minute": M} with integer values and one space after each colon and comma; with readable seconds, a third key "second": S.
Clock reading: {"hour": 7, "minute": 43}
